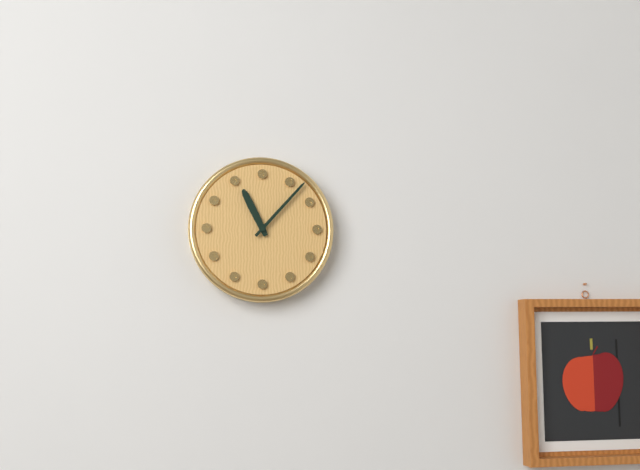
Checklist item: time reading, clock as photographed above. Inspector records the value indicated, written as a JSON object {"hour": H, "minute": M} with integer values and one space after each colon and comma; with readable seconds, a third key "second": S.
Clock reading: {"hour": 11, "minute": 7}
